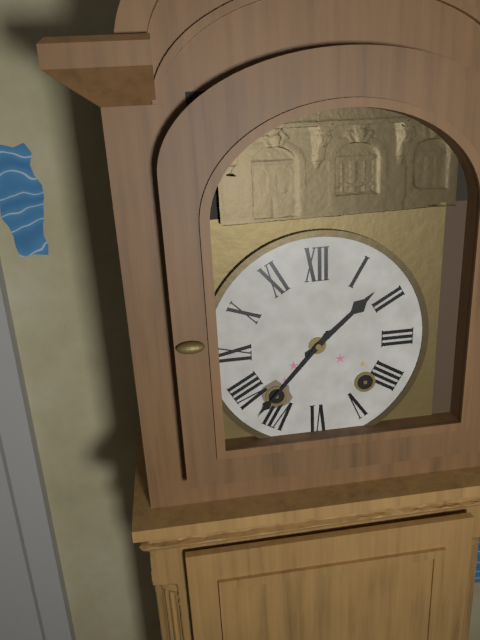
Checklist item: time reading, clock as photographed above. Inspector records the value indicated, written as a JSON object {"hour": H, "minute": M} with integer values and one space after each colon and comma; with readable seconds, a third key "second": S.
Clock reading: {"hour": 1, "minute": 37}
